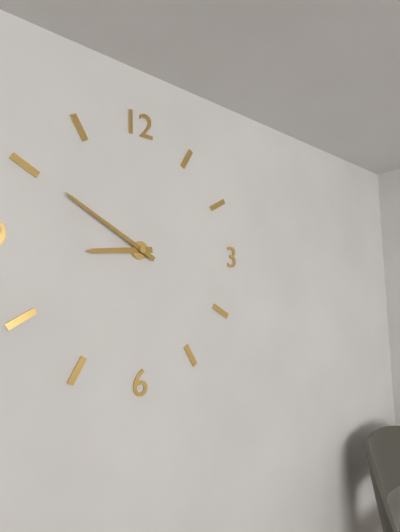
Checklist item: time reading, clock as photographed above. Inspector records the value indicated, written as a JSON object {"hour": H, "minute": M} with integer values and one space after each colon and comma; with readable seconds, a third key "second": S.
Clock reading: {"hour": 8, "minute": 50}
